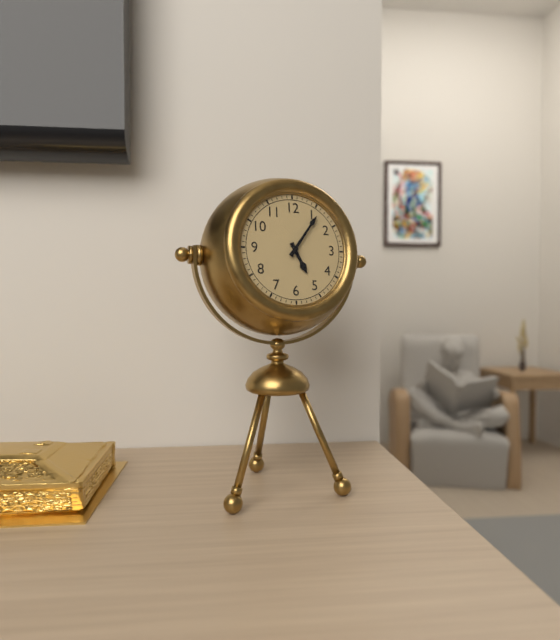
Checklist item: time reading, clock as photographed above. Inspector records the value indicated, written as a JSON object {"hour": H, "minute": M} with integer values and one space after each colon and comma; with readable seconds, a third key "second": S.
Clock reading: {"hour": 5, "minute": 6}
